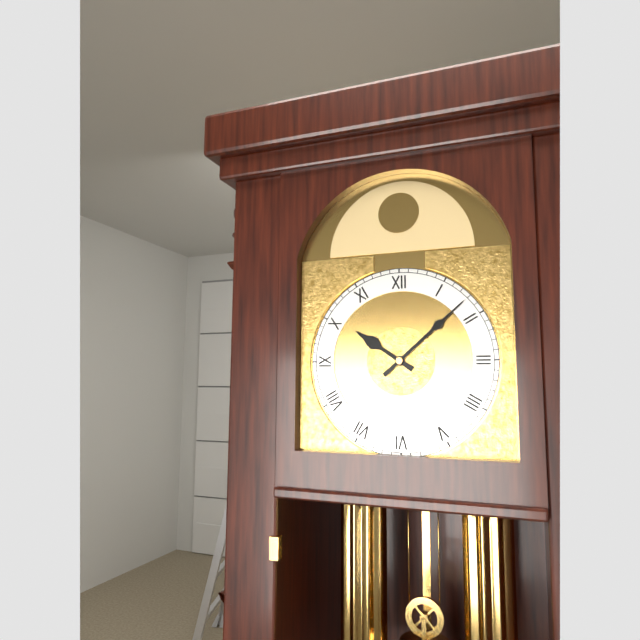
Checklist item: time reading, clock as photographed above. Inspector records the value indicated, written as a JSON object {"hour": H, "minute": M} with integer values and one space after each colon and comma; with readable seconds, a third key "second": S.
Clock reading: {"hour": 10, "minute": 8}
